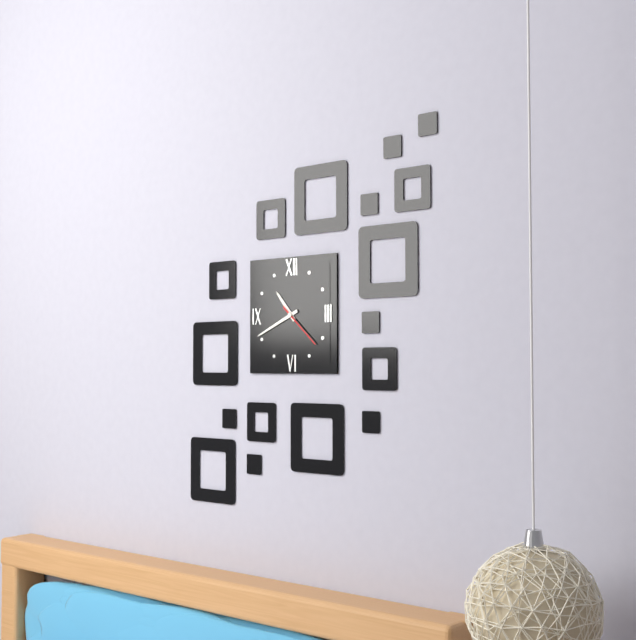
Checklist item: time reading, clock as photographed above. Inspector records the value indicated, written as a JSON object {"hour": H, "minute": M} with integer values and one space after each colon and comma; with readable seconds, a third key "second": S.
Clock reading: {"hour": 10, "minute": 41}
